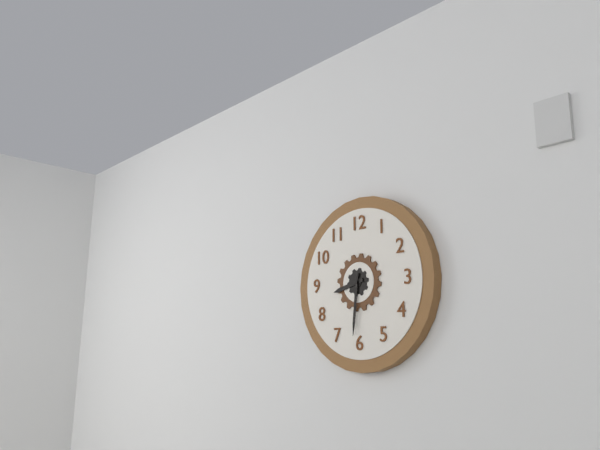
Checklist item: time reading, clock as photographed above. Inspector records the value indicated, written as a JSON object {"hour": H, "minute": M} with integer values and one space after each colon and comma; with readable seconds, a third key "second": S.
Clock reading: {"hour": 8, "minute": 31}
